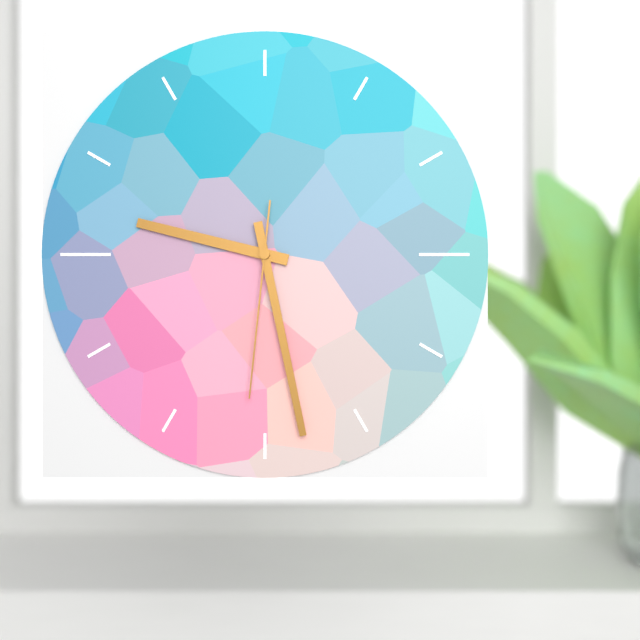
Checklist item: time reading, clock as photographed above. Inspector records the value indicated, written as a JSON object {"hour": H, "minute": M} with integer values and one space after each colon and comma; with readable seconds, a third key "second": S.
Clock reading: {"hour": 9, "minute": 28, "second": 31}
